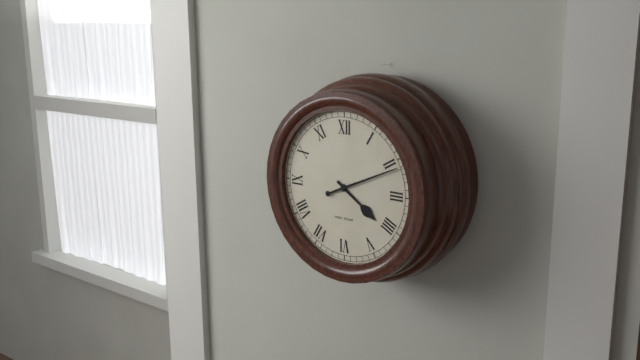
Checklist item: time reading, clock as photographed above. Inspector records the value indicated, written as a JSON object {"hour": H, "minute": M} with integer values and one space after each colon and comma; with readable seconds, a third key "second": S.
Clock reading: {"hour": 4, "minute": 11}
